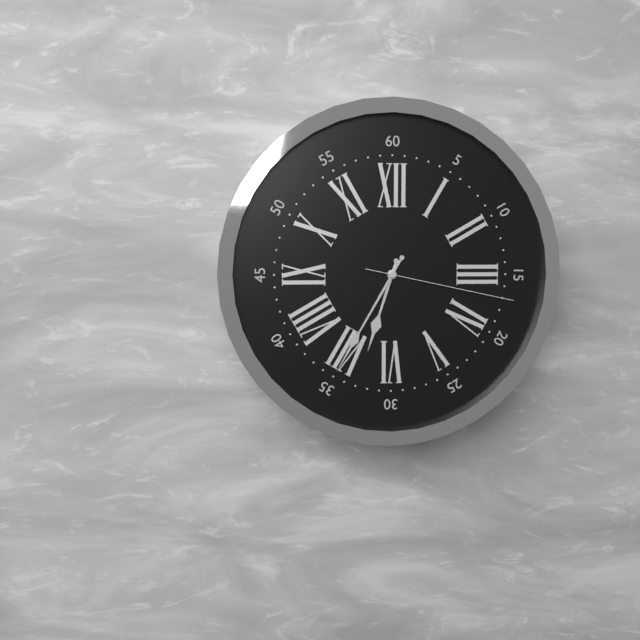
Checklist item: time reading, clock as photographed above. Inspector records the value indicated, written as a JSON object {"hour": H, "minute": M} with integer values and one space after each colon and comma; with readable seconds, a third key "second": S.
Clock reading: {"hour": 6, "minute": 35, "second": 17}
